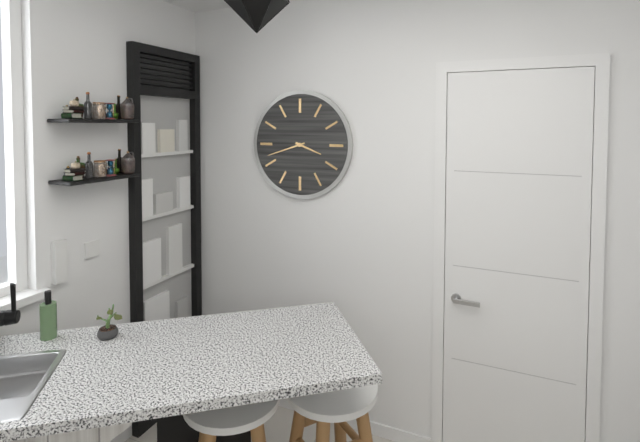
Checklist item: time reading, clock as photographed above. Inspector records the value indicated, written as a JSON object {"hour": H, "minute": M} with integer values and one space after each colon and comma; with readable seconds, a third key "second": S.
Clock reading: {"hour": 3, "minute": 42}
